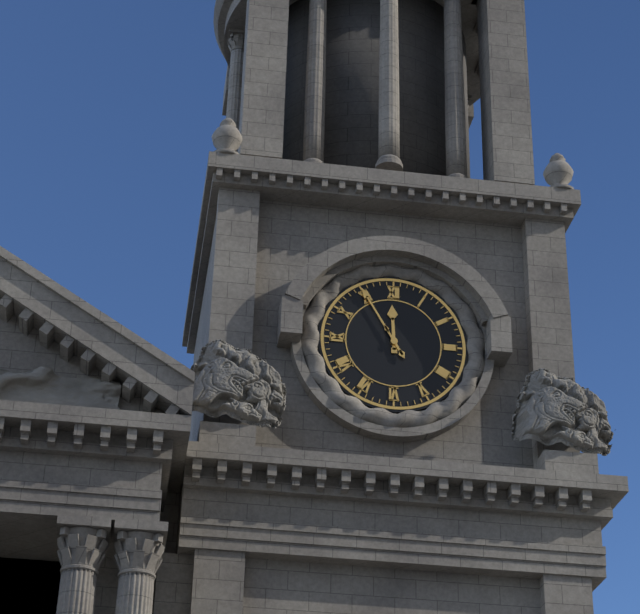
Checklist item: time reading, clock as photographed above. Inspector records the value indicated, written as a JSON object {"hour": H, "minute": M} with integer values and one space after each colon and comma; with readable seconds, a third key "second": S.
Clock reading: {"hour": 11, "minute": 55}
